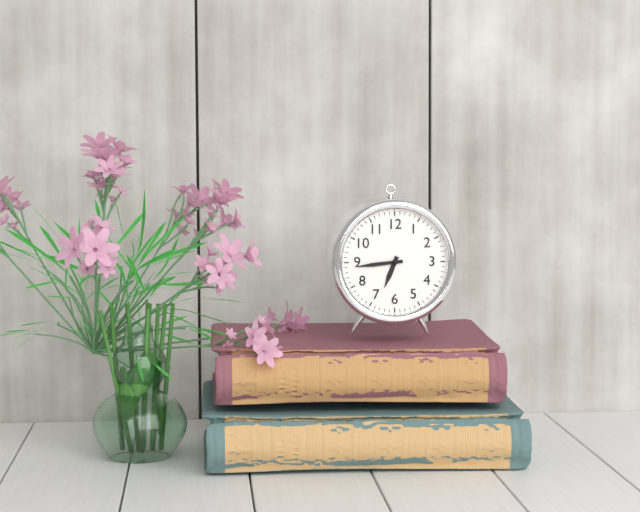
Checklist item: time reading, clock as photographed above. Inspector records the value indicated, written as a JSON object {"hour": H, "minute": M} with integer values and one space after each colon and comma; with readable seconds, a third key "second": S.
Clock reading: {"hour": 6, "minute": 44}
